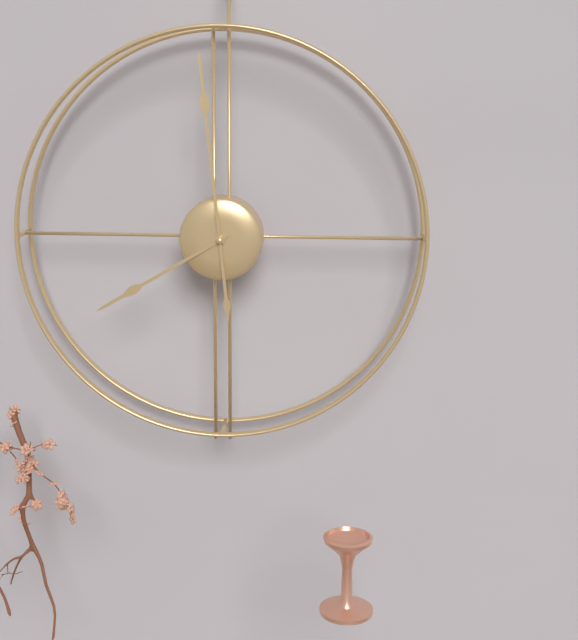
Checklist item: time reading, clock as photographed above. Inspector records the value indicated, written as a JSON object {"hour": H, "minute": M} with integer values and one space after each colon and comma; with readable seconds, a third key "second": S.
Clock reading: {"hour": 7, "minute": 59}
